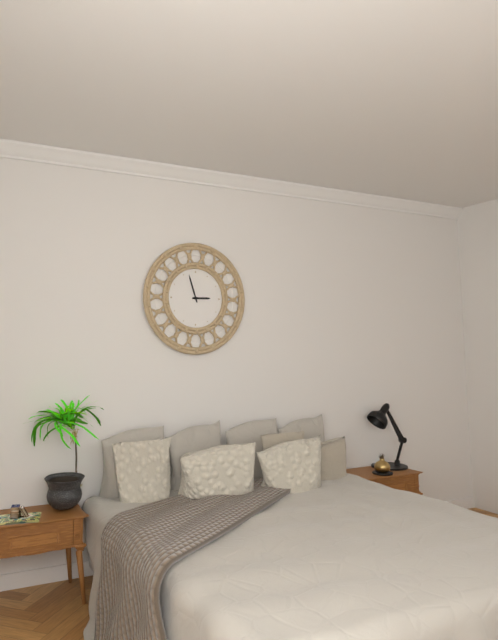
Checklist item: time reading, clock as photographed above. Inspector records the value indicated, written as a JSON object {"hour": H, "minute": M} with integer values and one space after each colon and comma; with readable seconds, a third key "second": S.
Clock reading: {"hour": 2, "minute": 57}
